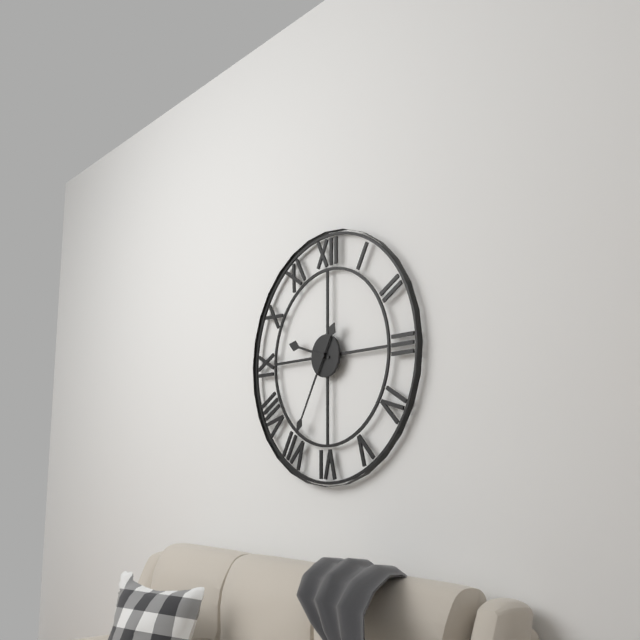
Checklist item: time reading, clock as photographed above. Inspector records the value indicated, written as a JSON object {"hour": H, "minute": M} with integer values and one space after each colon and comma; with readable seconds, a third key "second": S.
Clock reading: {"hour": 9, "minute": 35}
